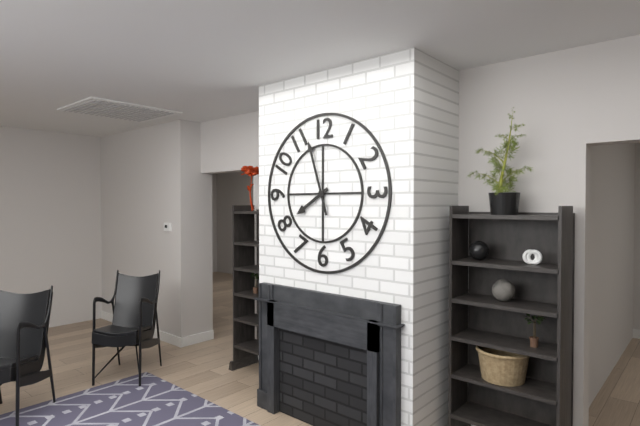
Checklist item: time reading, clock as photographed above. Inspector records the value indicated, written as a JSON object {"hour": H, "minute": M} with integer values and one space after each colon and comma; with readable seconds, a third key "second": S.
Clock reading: {"hour": 7, "minute": 57}
